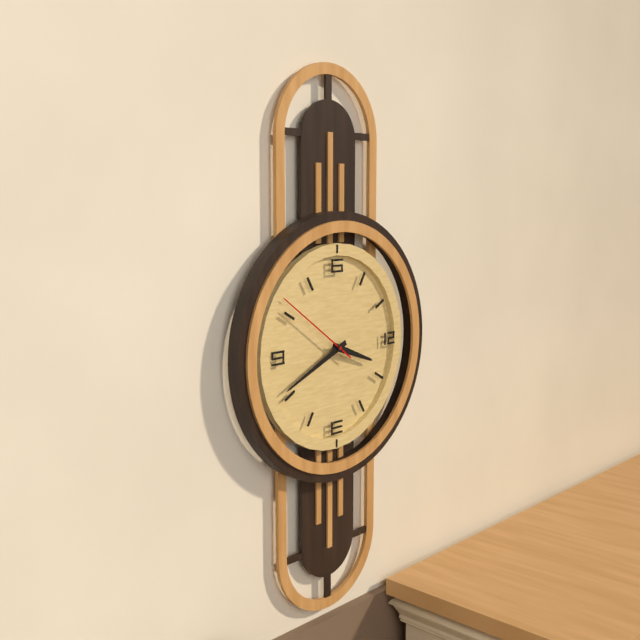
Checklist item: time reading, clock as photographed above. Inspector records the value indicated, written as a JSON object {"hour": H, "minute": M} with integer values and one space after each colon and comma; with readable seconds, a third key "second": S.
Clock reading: {"hour": 3, "minute": 41, "second": 51}
